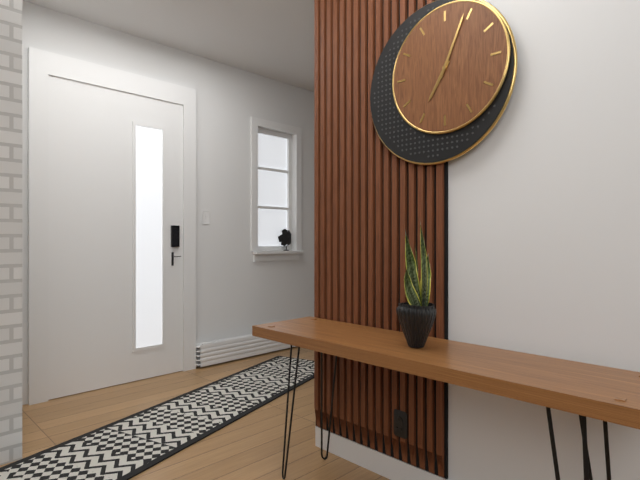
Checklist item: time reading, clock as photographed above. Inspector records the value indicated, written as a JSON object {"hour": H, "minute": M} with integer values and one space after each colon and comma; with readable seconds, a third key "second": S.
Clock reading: {"hour": 7, "minute": 4}
